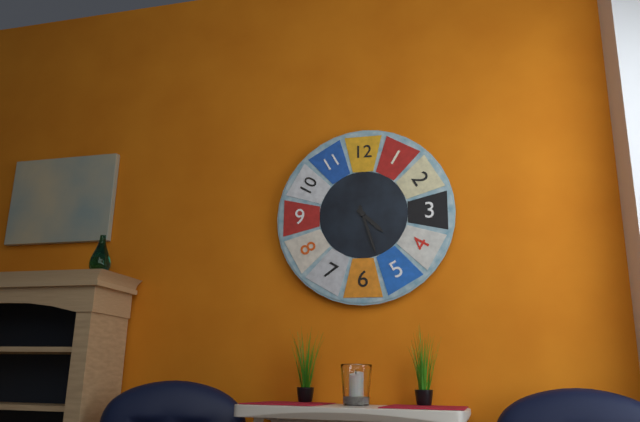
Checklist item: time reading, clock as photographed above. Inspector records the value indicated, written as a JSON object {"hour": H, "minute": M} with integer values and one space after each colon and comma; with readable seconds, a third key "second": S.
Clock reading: {"hour": 4, "minute": 27}
